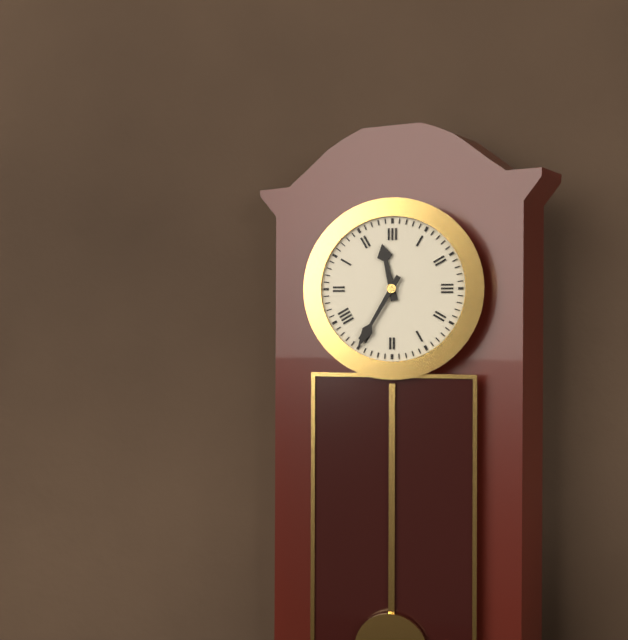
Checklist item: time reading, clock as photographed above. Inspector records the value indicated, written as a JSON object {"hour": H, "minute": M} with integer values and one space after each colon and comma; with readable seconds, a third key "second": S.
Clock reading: {"hour": 11, "minute": 35}
